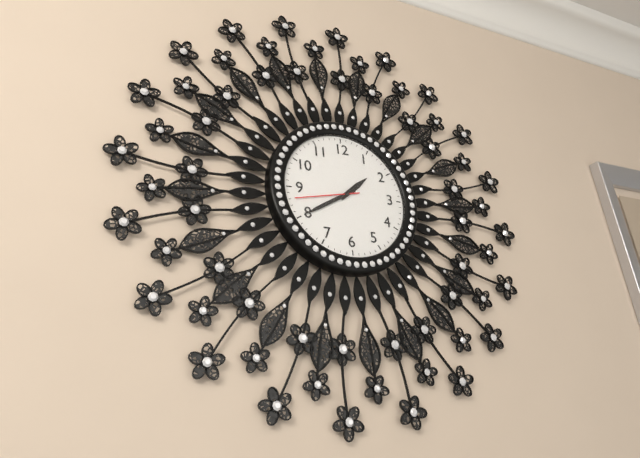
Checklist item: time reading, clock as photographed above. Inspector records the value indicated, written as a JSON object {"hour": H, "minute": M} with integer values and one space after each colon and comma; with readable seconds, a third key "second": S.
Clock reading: {"hour": 1, "minute": 40, "second": 43}
